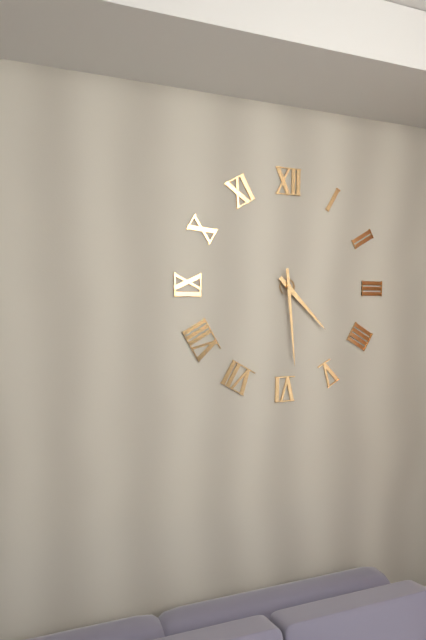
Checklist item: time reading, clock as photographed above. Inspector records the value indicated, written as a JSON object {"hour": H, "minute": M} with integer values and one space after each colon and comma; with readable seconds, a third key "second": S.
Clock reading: {"hour": 4, "minute": 29}
